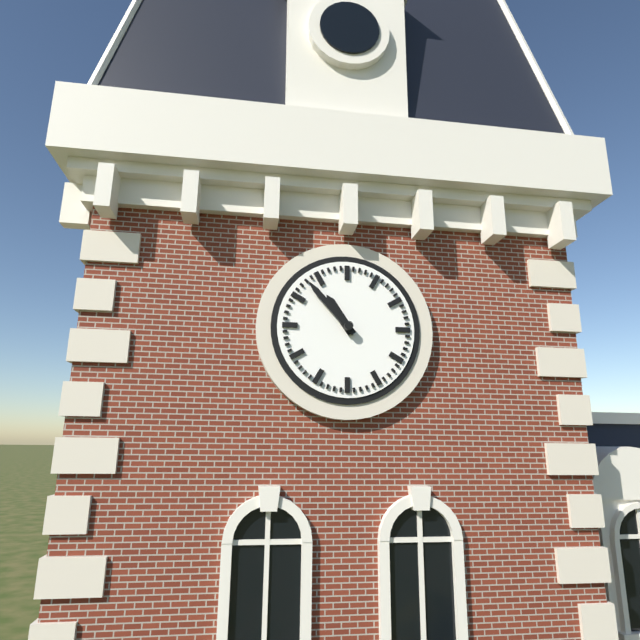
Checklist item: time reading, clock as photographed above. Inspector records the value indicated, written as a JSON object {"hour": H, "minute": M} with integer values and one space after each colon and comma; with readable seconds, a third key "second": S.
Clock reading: {"hour": 10, "minute": 53}
